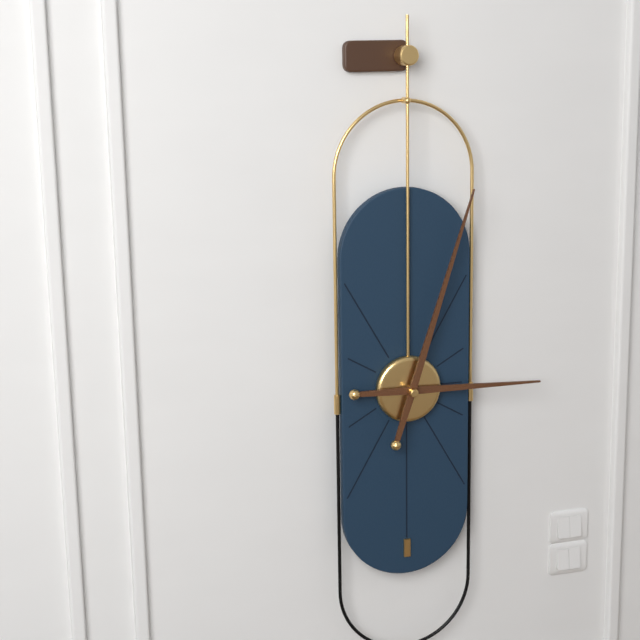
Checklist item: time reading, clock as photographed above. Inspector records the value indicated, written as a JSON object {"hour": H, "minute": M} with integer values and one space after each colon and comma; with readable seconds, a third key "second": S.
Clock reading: {"hour": 3, "minute": 3}
